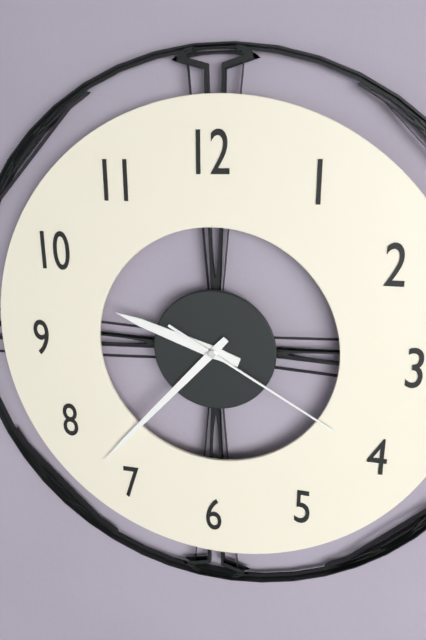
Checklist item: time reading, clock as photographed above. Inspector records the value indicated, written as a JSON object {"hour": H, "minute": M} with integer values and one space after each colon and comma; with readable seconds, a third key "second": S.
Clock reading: {"hour": 9, "minute": 37, "second": 20}
